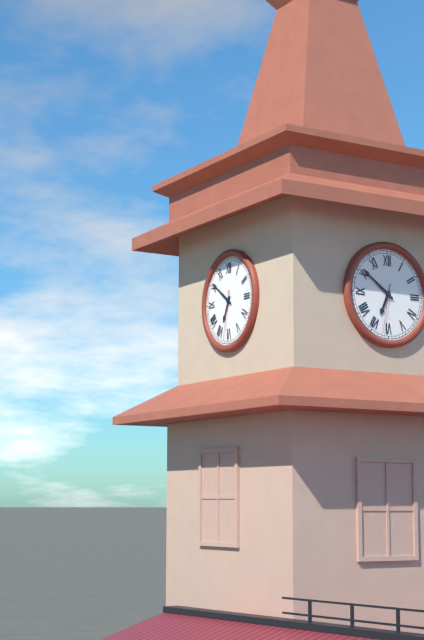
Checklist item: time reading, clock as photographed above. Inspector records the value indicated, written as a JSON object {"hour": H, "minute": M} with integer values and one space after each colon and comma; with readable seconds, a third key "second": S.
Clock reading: {"hour": 6, "minute": 51, "second": 32}
